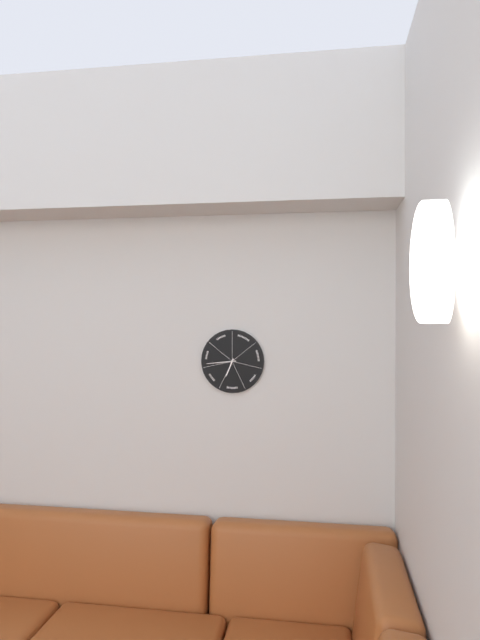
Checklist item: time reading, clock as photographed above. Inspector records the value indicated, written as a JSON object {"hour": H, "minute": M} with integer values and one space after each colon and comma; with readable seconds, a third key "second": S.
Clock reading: {"hour": 6, "minute": 44}
